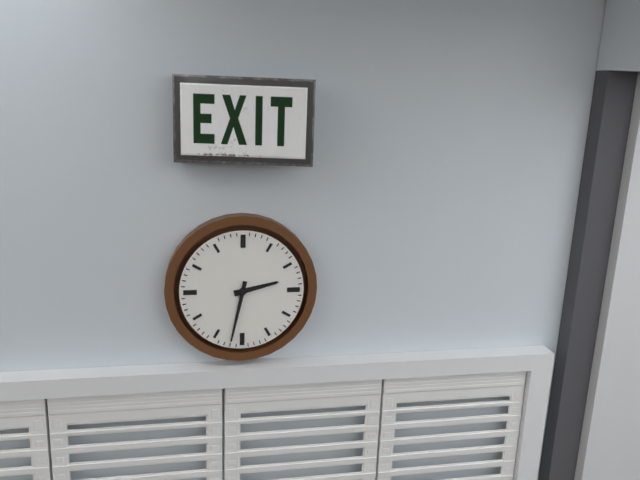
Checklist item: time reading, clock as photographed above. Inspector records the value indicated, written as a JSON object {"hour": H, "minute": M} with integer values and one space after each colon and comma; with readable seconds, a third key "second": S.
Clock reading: {"hour": 2, "minute": 32}
